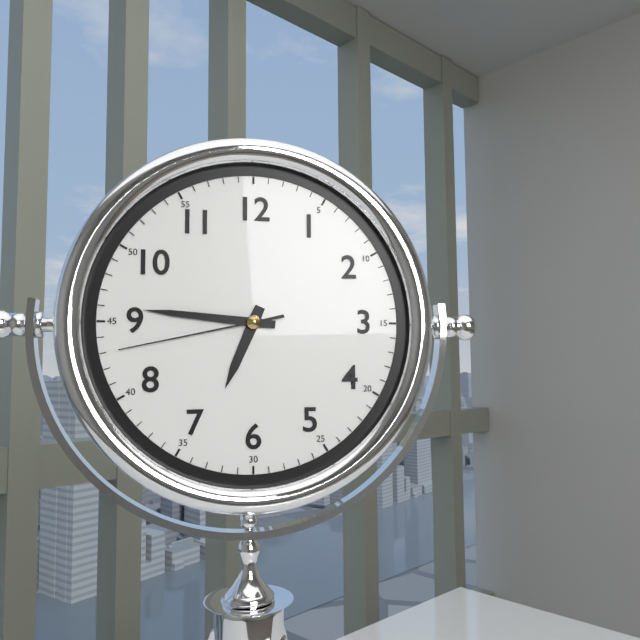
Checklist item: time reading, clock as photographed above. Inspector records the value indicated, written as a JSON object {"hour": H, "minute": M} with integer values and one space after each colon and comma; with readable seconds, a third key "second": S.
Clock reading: {"hour": 6, "minute": 46, "second": 43}
